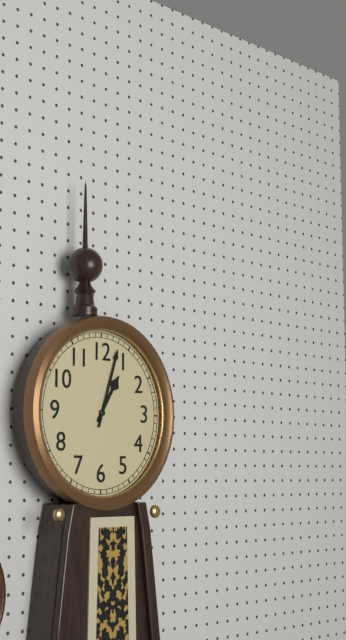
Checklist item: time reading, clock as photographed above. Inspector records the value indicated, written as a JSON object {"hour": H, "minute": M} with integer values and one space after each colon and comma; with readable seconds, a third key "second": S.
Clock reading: {"hour": 1, "minute": 3}
